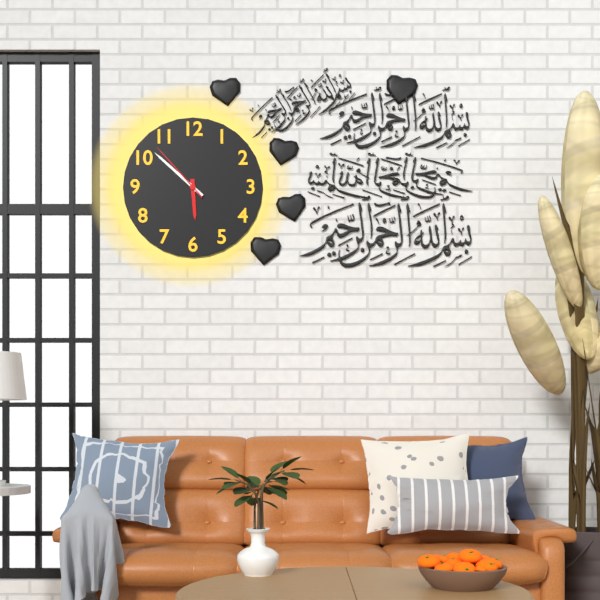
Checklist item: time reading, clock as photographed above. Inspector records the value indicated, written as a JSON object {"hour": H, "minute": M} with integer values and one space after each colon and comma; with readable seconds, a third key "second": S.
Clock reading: {"hour": 5, "minute": 52, "second": 53}
